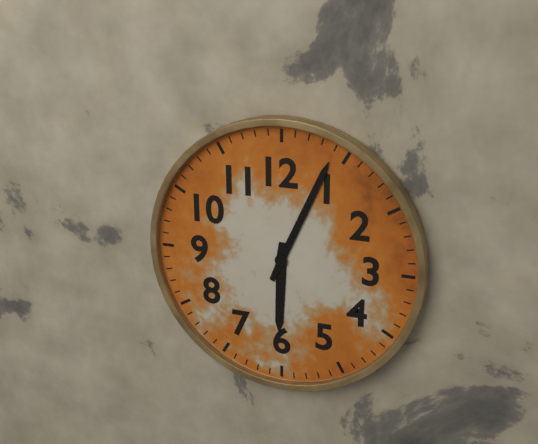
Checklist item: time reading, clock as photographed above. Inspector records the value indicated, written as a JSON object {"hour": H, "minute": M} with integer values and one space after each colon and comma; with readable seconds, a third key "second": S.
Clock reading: {"hour": 6, "minute": 4}
